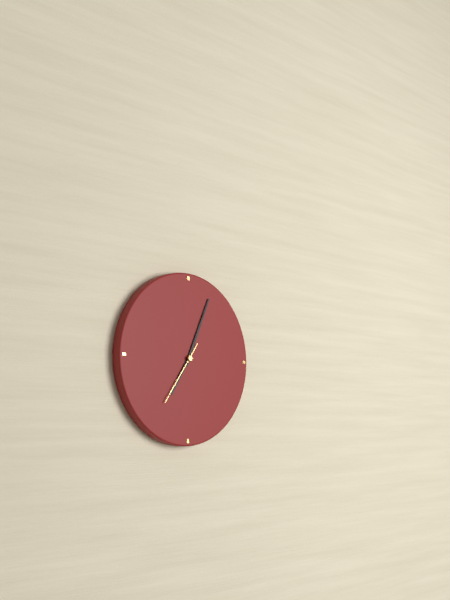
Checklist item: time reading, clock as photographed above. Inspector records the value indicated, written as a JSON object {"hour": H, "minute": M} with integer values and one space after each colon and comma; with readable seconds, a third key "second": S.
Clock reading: {"hour": 7, "minute": 4, "second": 36}
